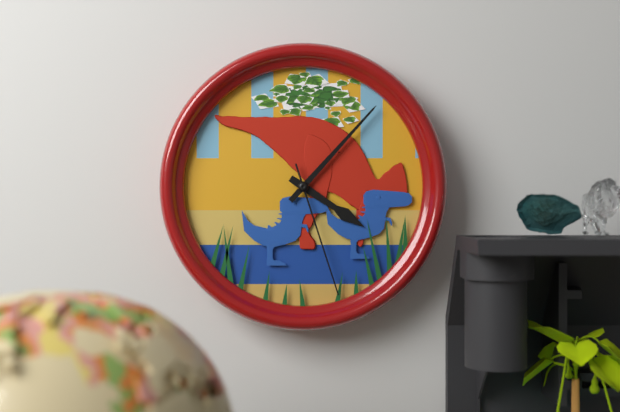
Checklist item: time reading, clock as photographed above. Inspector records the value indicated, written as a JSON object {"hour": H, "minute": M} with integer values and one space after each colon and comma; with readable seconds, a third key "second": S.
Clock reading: {"hour": 4, "minute": 7, "second": 27}
